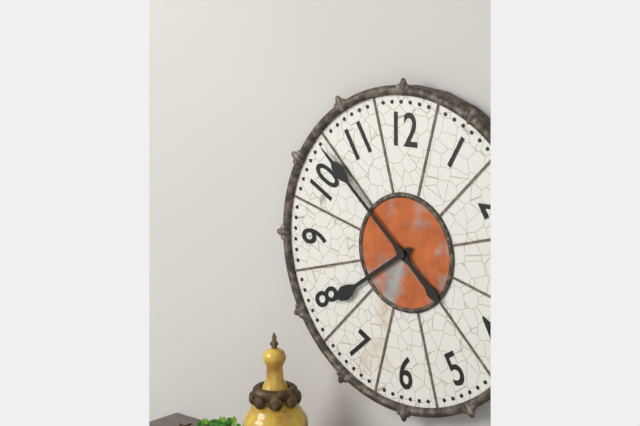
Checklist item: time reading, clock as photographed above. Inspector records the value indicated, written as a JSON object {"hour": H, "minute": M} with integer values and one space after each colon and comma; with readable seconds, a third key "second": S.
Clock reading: {"hour": 7, "minute": 52}
